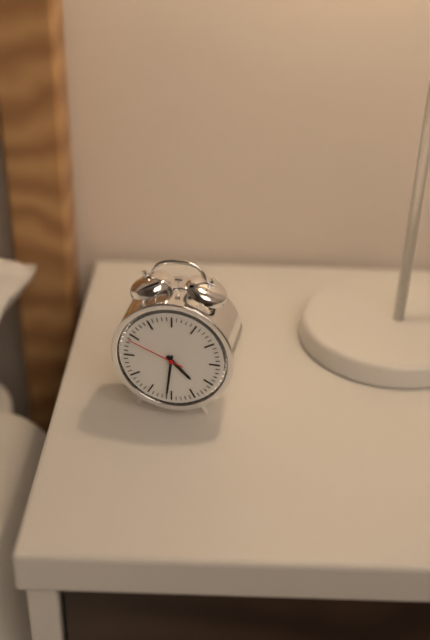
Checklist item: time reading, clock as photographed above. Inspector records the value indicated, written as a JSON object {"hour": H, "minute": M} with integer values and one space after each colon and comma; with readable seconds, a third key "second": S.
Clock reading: {"hour": 4, "minute": 31, "second": 49}
